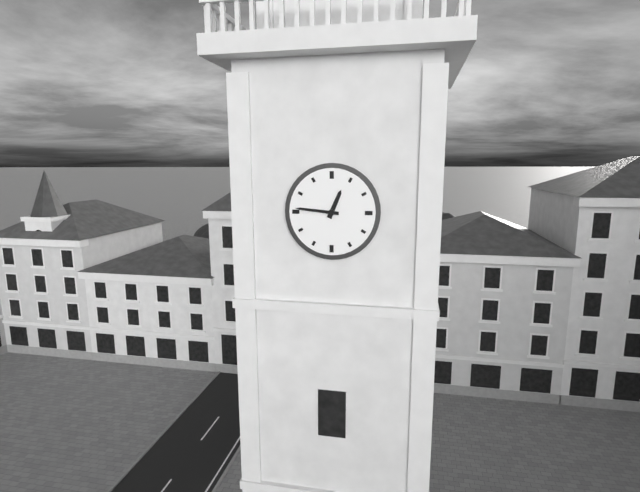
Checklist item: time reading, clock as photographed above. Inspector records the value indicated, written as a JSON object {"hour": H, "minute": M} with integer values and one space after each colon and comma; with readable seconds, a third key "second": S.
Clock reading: {"hour": 12, "minute": 46}
